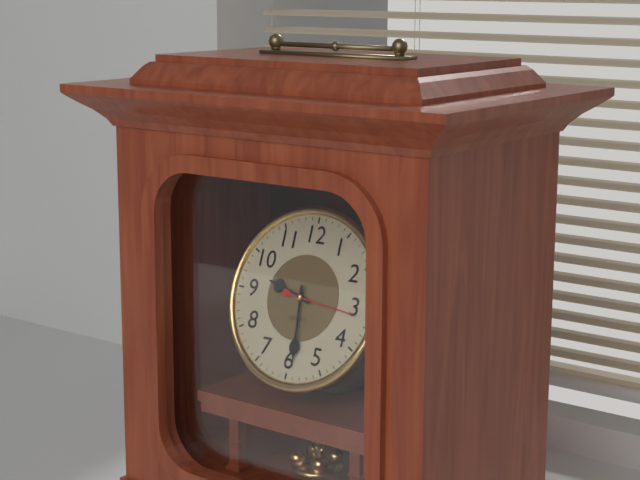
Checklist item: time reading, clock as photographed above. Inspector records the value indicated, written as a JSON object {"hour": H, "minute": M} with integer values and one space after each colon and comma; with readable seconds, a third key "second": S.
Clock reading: {"hour": 9, "minute": 29, "second": 16}
